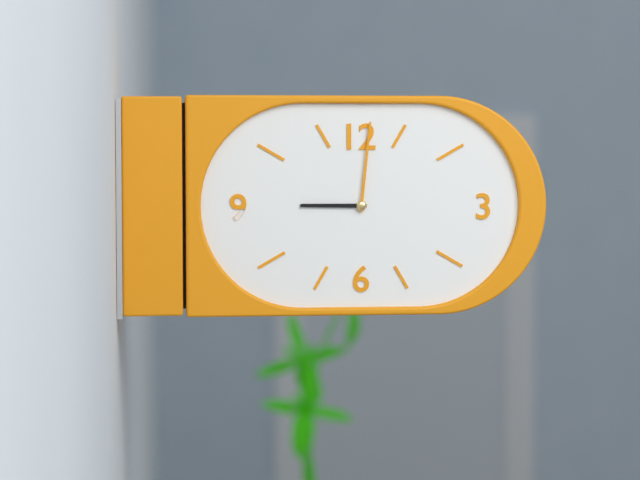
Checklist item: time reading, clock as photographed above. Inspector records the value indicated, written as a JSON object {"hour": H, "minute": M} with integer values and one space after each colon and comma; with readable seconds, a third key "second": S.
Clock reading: {"hour": 9, "minute": 1}
